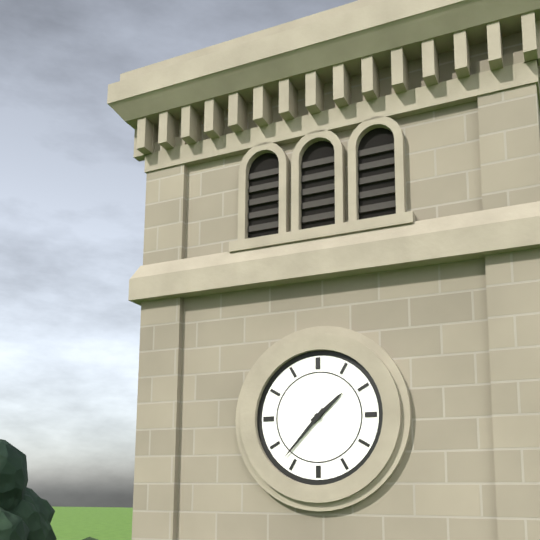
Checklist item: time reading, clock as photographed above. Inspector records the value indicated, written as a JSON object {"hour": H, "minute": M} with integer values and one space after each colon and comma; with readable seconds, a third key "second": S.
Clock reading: {"hour": 1, "minute": 37}
